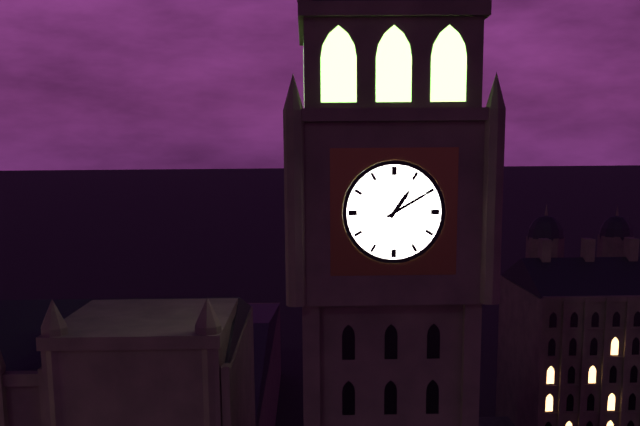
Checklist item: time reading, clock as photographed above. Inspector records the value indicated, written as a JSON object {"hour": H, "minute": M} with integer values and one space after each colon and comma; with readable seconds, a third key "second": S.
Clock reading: {"hour": 1, "minute": 10}
